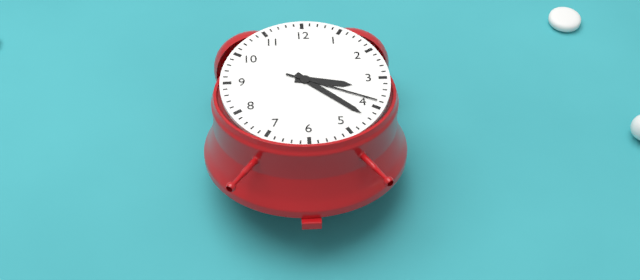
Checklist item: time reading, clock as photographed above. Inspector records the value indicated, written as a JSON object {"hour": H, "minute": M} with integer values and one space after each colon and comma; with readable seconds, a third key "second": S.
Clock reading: {"hour": 3, "minute": 22, "second": 19}
